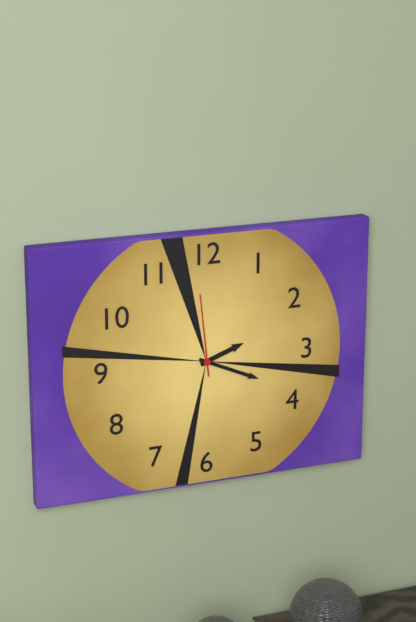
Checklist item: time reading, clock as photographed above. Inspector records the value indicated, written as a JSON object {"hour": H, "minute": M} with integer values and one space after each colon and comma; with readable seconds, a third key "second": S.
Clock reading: {"hour": 2, "minute": 19, "second": 59}
